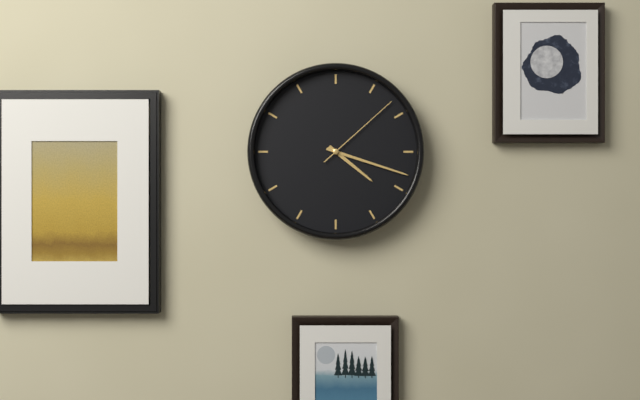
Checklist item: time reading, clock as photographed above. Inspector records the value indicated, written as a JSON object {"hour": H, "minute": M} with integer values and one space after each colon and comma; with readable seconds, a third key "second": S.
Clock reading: {"hour": 4, "minute": 18, "second": 8}
